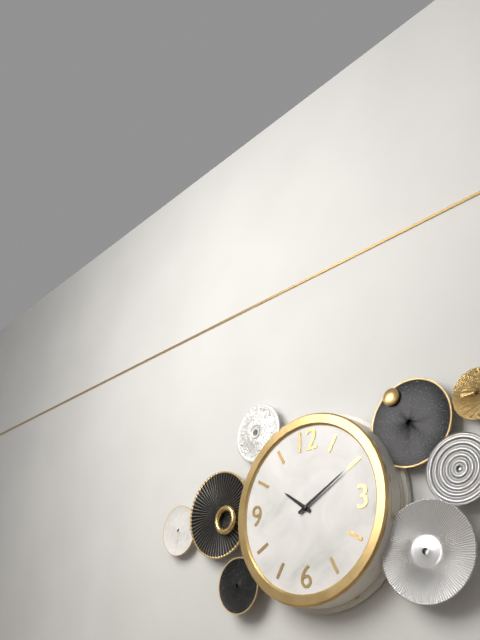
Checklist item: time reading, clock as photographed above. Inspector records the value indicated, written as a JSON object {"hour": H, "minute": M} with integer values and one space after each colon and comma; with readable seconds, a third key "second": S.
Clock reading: {"hour": 10, "minute": 10}
